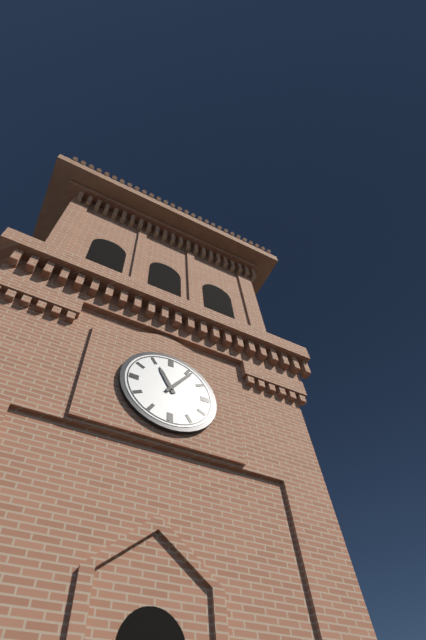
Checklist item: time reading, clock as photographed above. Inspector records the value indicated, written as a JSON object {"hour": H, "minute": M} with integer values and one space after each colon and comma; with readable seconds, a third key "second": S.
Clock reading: {"hour": 11, "minute": 6}
